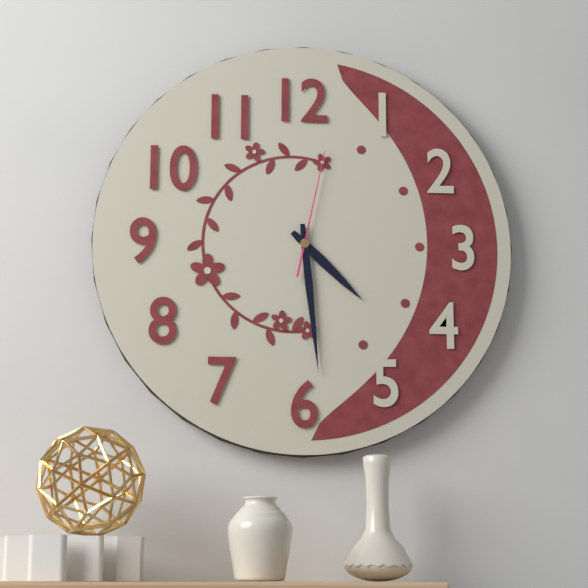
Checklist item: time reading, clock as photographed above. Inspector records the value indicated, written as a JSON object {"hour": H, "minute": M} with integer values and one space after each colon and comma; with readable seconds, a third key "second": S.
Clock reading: {"hour": 4, "minute": 29, "second": 2}
